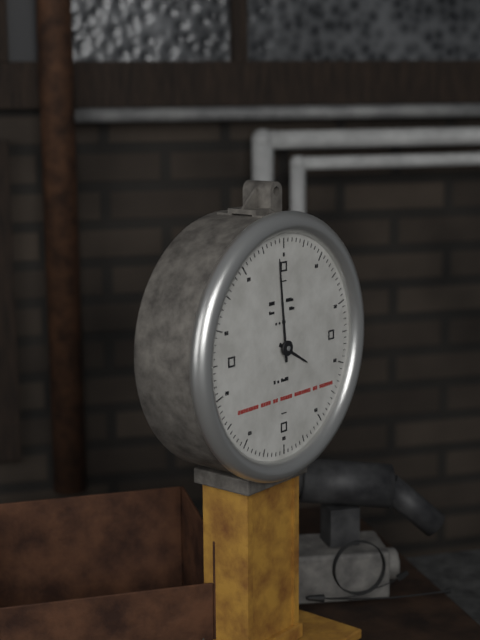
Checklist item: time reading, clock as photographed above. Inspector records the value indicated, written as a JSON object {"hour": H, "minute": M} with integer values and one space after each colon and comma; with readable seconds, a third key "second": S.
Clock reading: {"hour": 3, "minute": 59}
